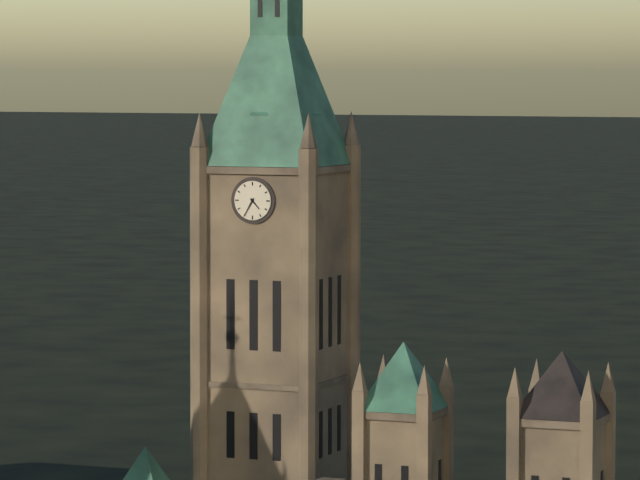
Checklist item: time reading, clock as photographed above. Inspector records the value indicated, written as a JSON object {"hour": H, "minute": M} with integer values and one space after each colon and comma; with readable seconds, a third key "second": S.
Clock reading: {"hour": 4, "minute": 35}
